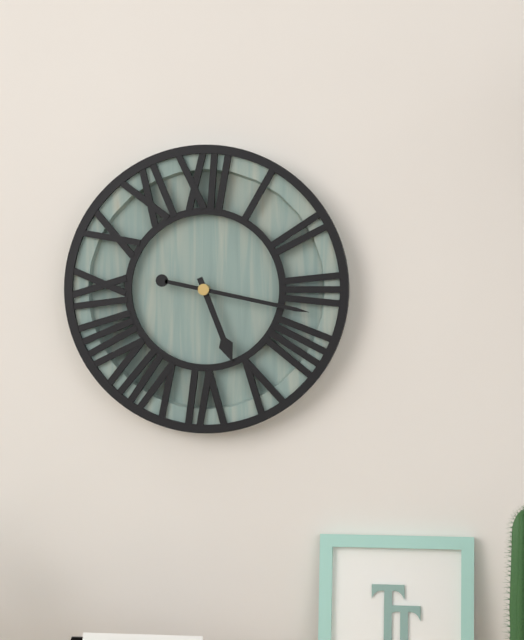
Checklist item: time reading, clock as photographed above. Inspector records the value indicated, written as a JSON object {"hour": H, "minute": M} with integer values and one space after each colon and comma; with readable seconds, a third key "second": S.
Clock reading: {"hour": 5, "minute": 17}
